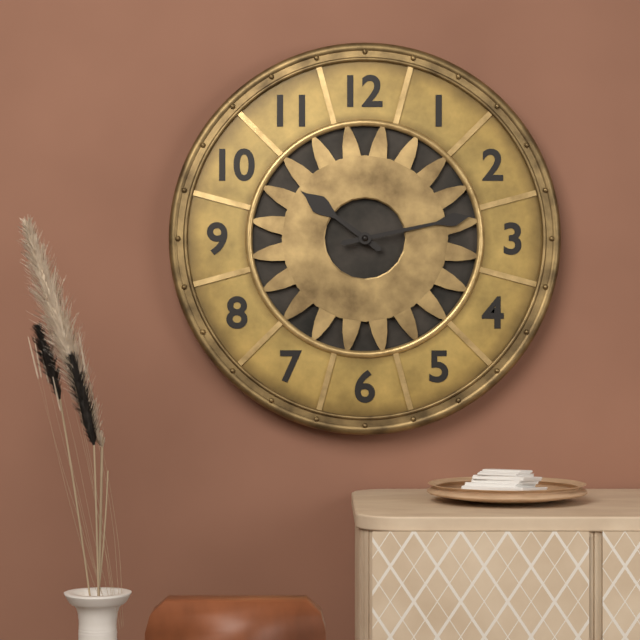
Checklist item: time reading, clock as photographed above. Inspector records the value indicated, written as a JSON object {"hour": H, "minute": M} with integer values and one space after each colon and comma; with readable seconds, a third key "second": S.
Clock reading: {"hour": 10, "minute": 13}
